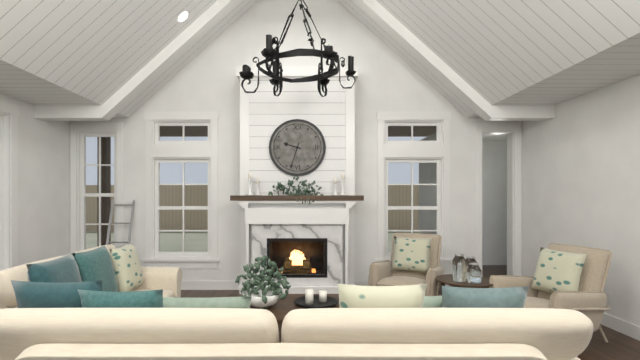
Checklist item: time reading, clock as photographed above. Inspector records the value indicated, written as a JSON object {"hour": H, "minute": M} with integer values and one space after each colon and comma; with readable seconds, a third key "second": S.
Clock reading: {"hour": 9, "minute": 33}
